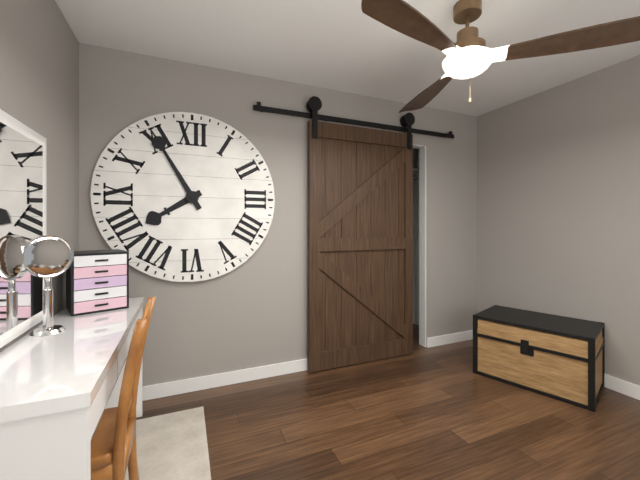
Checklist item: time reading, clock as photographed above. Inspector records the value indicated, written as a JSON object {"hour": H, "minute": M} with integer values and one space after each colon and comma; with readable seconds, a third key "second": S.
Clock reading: {"hour": 7, "minute": 55}
